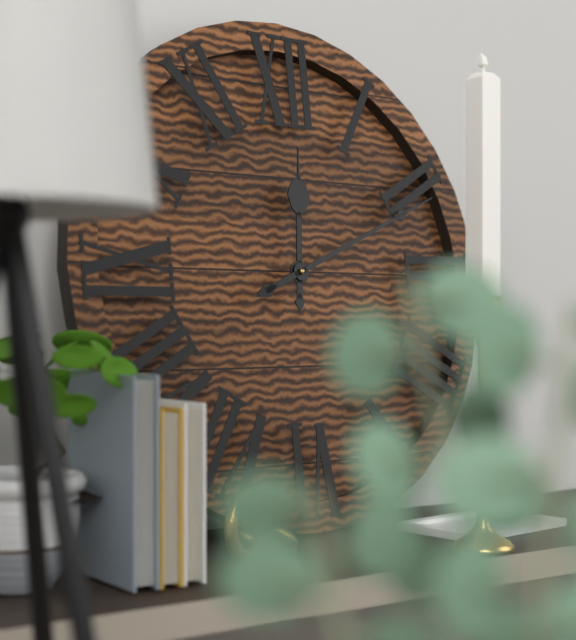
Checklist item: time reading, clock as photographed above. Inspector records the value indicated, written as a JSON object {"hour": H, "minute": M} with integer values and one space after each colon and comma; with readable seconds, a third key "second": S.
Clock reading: {"hour": 12, "minute": 11}
